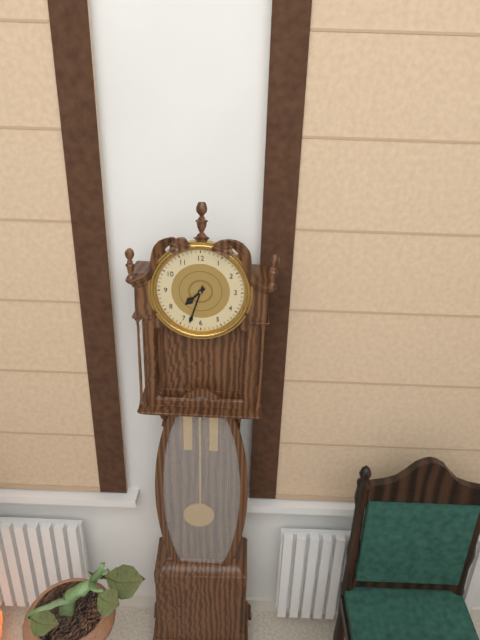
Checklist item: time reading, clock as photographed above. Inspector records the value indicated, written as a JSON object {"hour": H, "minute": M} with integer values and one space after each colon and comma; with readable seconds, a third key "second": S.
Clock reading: {"hour": 7, "minute": 33}
